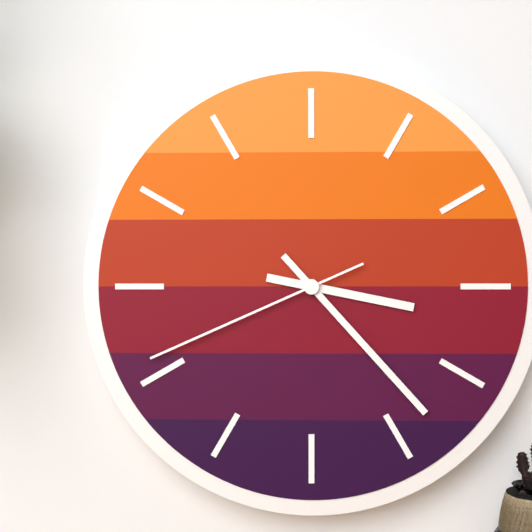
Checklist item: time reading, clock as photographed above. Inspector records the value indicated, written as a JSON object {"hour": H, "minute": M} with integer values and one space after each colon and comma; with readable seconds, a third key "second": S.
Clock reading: {"hour": 3, "minute": 23, "second": 41}
